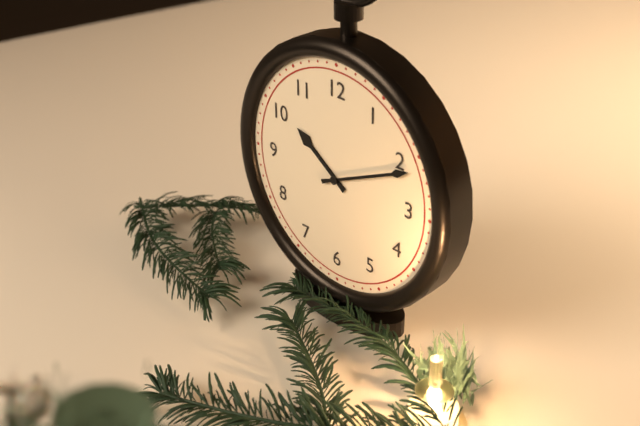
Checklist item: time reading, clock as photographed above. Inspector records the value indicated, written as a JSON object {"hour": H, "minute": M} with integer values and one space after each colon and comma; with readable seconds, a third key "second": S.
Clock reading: {"hour": 10, "minute": 11}
